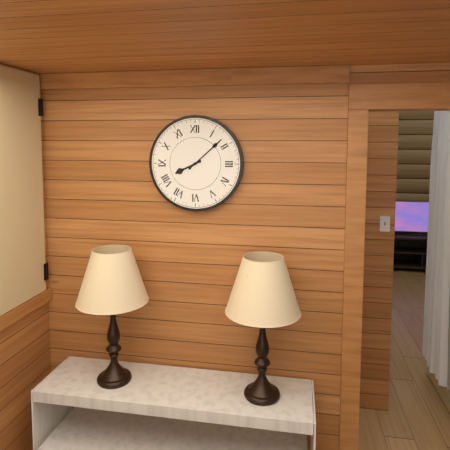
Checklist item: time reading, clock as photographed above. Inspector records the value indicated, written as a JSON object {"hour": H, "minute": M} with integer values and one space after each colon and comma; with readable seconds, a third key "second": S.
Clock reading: {"hour": 8, "minute": 8}
